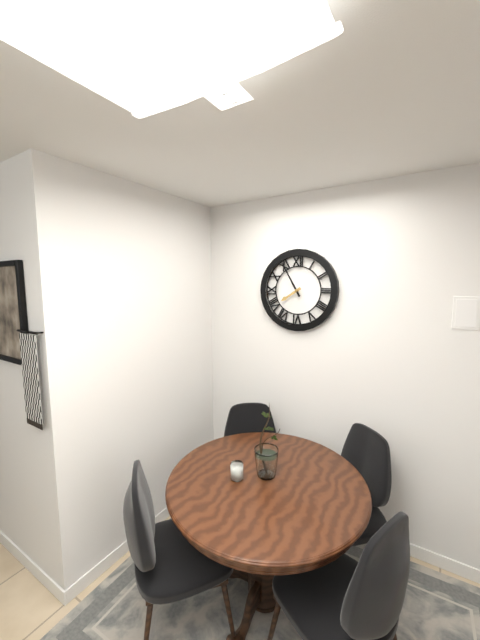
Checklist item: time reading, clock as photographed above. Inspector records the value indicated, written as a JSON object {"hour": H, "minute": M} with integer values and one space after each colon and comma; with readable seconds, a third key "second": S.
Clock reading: {"hour": 7, "minute": 55}
